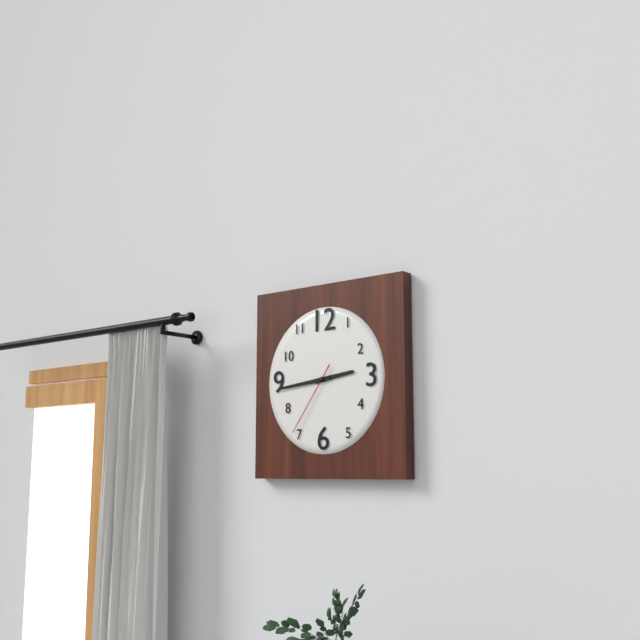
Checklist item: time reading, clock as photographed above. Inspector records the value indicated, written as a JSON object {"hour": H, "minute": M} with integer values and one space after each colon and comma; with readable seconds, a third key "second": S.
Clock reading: {"hour": 2, "minute": 44, "second": 36}
